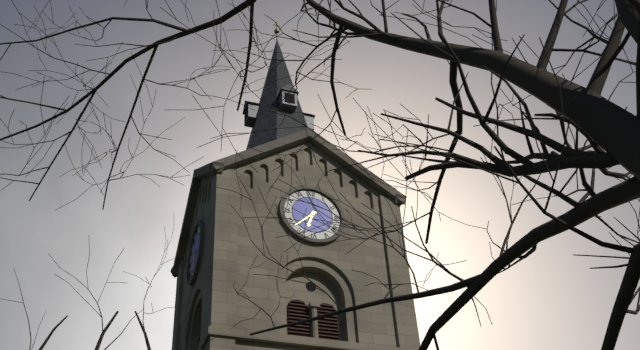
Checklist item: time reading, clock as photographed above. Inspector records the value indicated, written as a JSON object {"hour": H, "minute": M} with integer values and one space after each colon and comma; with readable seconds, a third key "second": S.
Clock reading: {"hour": 6, "minute": 38}
